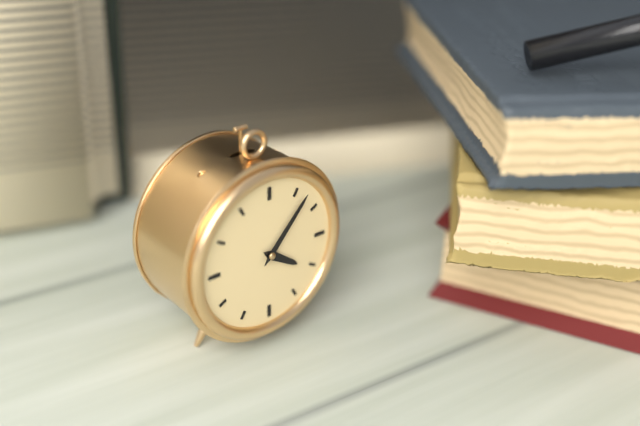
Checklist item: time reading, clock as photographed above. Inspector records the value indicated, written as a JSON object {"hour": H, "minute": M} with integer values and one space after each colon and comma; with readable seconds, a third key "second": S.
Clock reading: {"hour": 4, "minute": 7}
